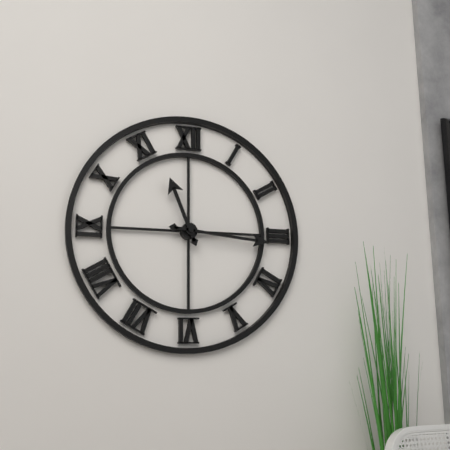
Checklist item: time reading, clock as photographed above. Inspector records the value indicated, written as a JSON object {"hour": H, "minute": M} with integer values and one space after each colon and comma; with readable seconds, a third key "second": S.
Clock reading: {"hour": 11, "minute": 16}
